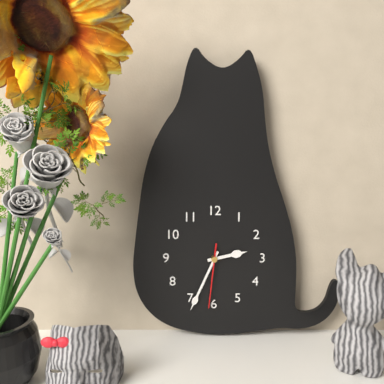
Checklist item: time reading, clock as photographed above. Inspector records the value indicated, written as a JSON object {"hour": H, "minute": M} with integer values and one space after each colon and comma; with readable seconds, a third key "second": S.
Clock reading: {"hour": 2, "minute": 34, "second": 31}
